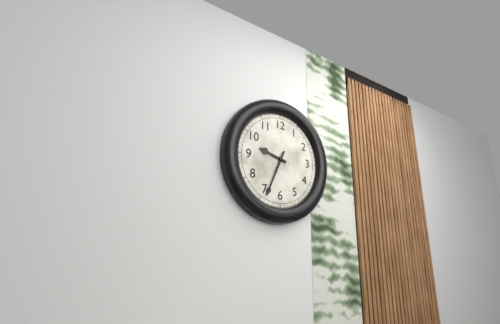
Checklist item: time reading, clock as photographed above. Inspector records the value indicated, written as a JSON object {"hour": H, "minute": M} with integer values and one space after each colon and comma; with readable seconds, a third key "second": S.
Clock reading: {"hour": 9, "minute": 34}
